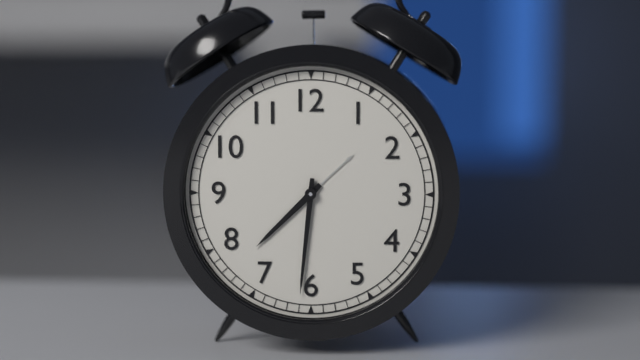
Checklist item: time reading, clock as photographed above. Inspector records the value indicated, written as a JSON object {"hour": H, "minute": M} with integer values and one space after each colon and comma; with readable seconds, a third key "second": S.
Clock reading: {"hour": 7, "minute": 31}
